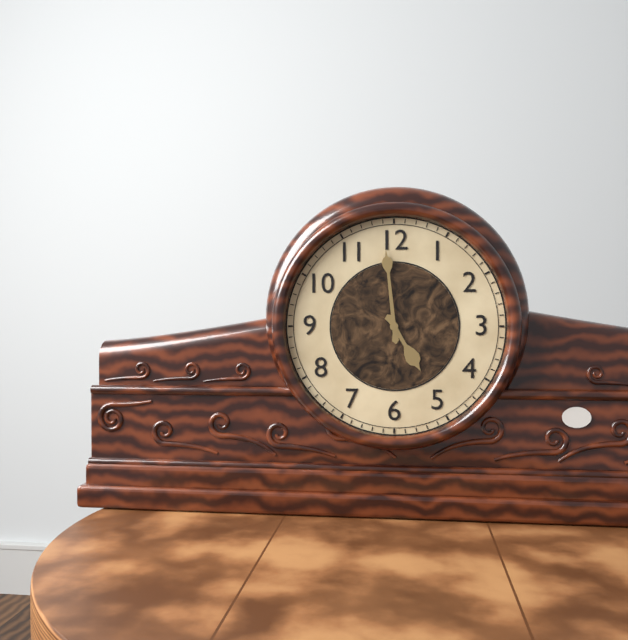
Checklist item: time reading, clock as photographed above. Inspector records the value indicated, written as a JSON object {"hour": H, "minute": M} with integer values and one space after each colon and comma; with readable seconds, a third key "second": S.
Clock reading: {"hour": 4, "minute": 59}
